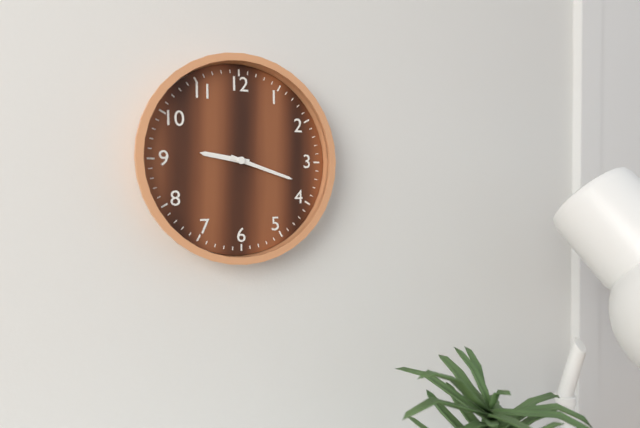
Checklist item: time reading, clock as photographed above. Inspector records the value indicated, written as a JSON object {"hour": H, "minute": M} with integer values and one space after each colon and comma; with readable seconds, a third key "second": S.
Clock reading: {"hour": 9, "minute": 18}
